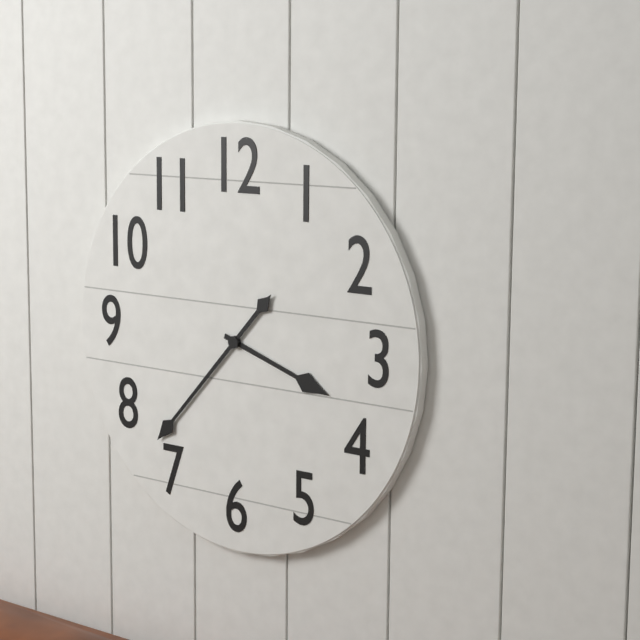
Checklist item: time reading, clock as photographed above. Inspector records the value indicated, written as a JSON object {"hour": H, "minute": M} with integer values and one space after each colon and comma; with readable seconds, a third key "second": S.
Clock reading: {"hour": 3, "minute": 37}
